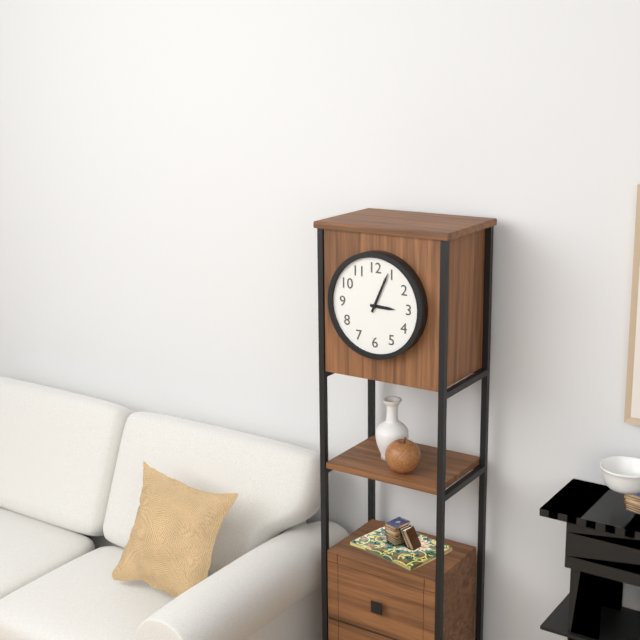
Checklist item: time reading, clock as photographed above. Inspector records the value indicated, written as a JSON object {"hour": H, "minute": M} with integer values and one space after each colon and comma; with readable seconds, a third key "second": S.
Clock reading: {"hour": 3, "minute": 4}
